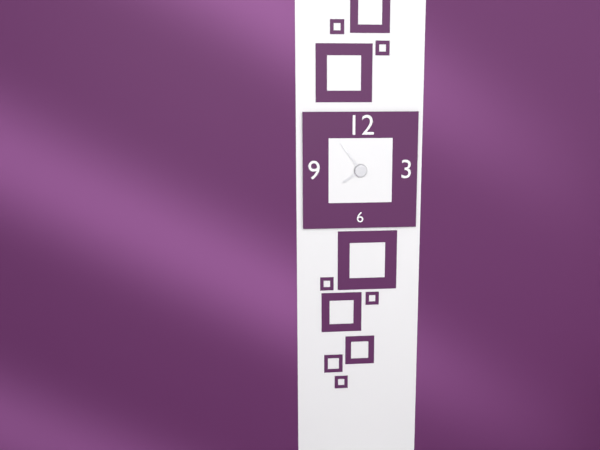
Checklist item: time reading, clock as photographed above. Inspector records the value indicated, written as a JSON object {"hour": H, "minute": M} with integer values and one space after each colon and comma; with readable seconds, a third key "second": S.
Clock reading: {"hour": 7, "minute": 54}
